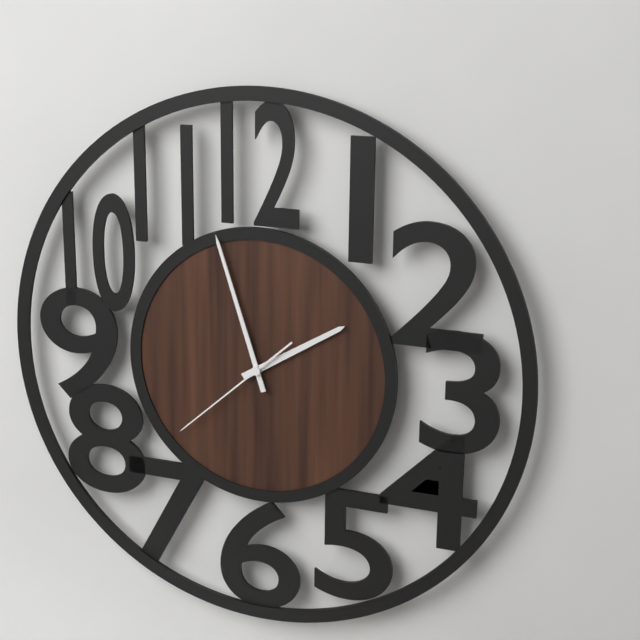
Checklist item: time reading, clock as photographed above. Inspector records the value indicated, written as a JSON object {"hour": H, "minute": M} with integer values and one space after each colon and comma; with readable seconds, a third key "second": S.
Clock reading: {"hour": 1, "minute": 57, "second": 38}
